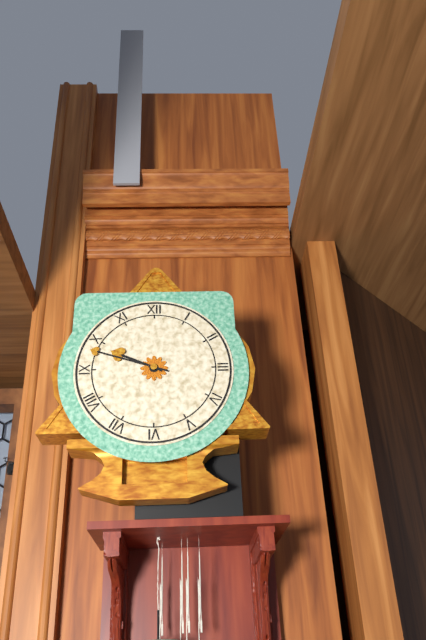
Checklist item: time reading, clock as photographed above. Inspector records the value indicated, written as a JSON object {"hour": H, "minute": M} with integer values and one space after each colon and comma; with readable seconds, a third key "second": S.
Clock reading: {"hour": 9, "minute": 48}
